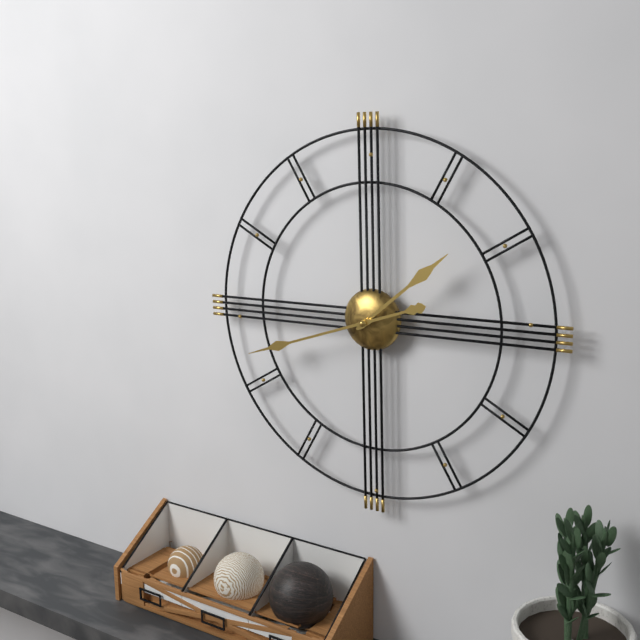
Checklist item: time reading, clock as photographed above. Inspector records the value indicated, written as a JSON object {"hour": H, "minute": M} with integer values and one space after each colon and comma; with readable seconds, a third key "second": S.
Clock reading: {"hour": 1, "minute": 42}
